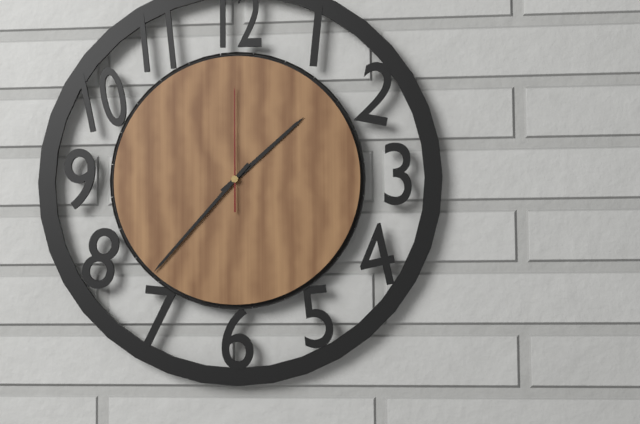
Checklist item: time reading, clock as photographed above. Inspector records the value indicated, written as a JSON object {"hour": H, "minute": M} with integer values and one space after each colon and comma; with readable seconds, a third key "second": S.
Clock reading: {"hour": 1, "minute": 37, "second": 0}
